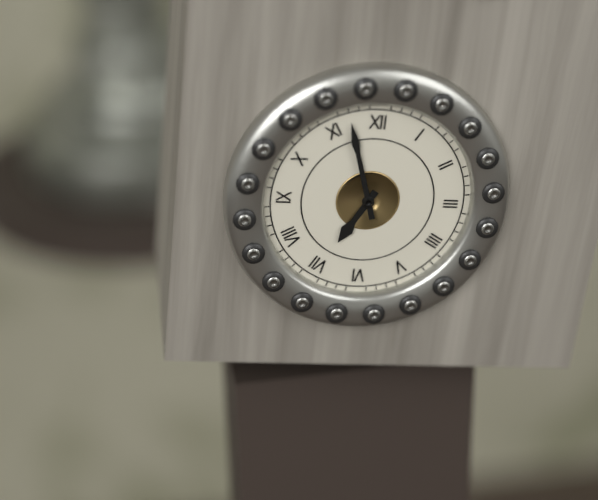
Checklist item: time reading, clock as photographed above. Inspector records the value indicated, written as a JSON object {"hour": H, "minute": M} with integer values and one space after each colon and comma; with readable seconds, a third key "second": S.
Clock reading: {"hour": 6, "minute": 57}
